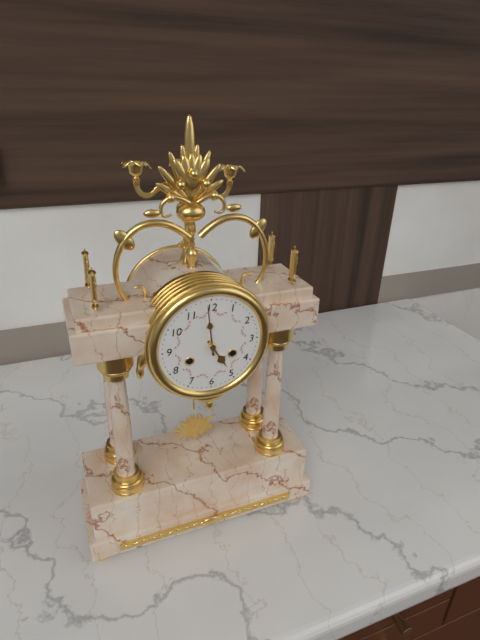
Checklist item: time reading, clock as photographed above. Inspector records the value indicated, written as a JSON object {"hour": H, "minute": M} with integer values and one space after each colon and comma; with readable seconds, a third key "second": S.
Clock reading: {"hour": 4, "minute": 59}
